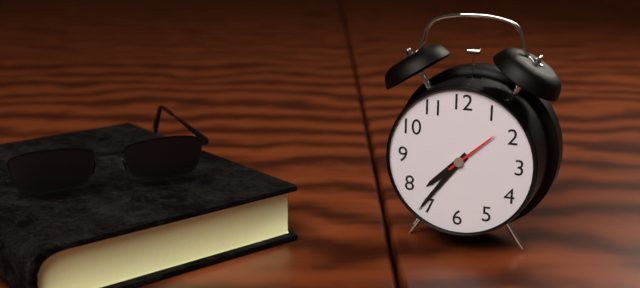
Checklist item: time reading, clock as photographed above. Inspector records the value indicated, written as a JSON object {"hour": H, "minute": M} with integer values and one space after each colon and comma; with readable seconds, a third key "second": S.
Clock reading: {"hour": 7, "minute": 36, "second": 8}
